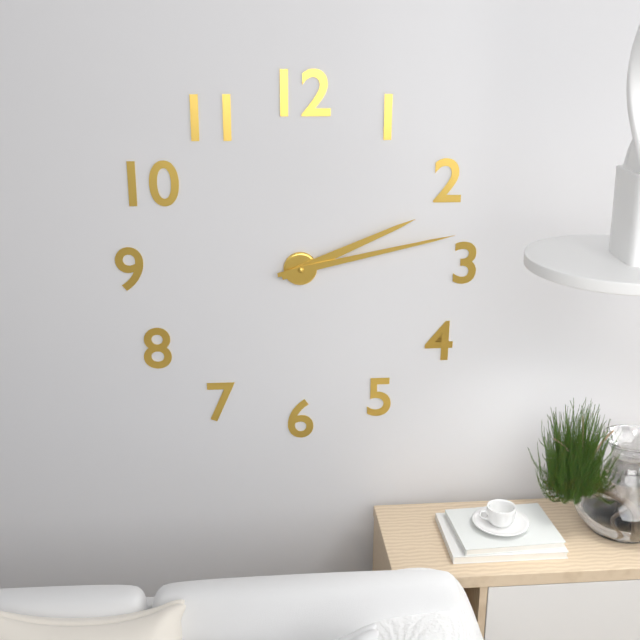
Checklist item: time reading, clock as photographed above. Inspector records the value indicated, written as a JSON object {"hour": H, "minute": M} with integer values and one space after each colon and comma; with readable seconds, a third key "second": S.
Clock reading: {"hour": 2, "minute": 13}
